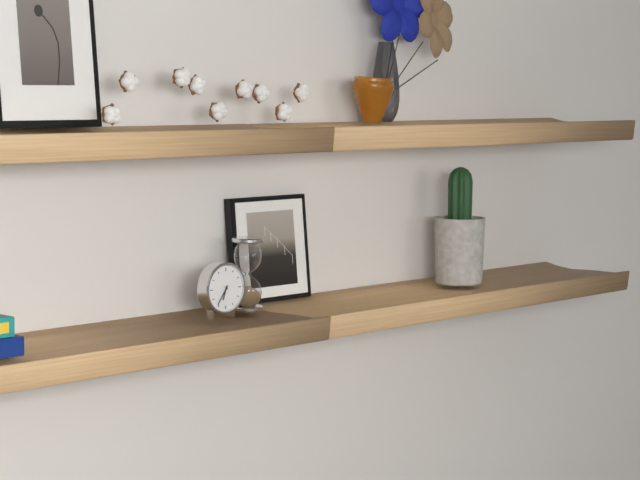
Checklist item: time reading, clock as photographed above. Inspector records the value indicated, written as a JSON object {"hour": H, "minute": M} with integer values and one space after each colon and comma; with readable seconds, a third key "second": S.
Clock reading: {"hour": 6, "minute": 36}
